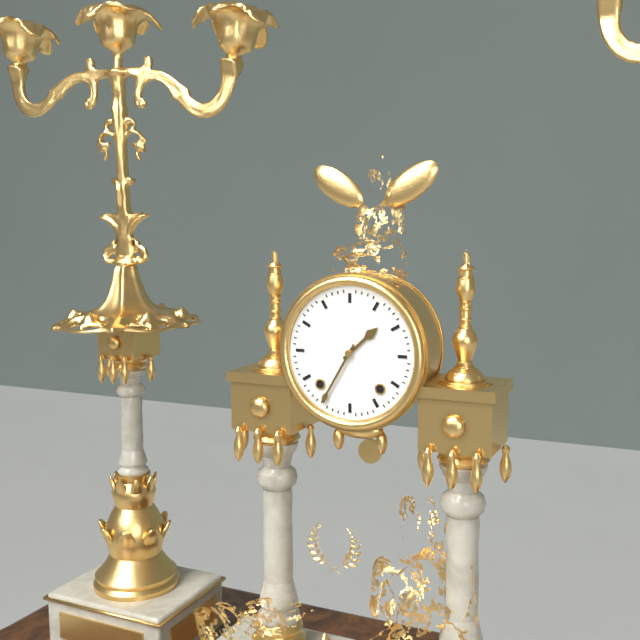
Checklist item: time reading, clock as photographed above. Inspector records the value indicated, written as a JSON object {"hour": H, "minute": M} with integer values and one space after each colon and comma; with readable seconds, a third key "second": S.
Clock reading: {"hour": 1, "minute": 35}
